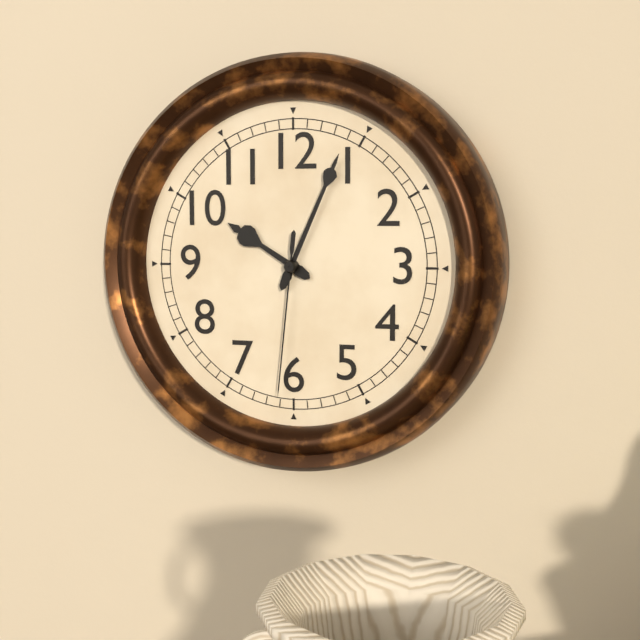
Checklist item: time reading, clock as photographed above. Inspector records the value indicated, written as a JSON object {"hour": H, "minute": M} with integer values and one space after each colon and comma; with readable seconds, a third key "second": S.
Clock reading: {"hour": 10, "minute": 4, "second": 31}
